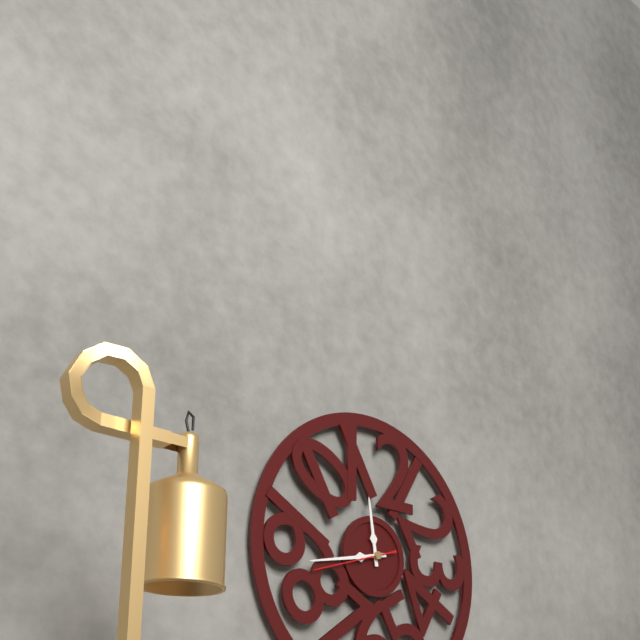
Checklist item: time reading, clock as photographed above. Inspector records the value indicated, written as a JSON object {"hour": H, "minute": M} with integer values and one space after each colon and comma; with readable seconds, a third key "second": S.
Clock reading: {"hour": 11, "minute": 43, "second": 42}
